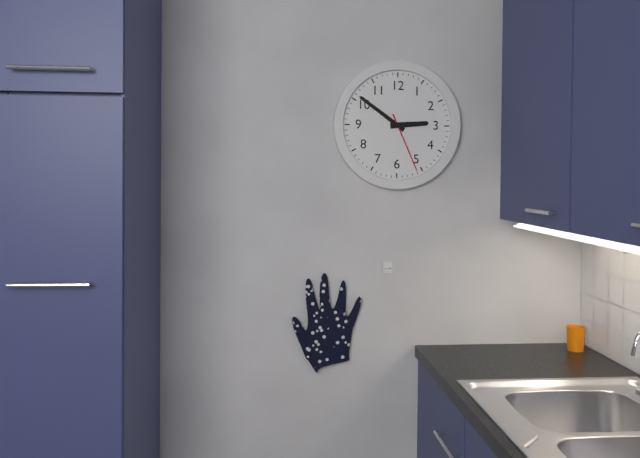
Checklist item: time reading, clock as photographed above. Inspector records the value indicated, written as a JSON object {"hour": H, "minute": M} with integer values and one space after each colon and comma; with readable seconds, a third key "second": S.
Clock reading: {"hour": 2, "minute": 51, "second": 26}
